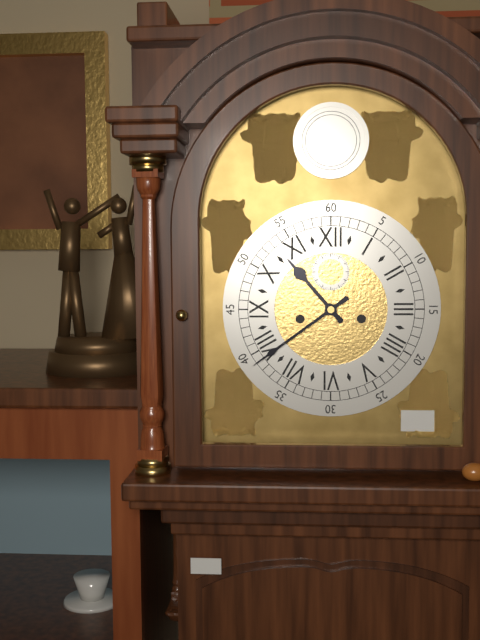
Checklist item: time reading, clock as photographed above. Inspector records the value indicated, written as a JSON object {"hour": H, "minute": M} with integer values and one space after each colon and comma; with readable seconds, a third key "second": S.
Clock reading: {"hour": 10, "minute": 39}
